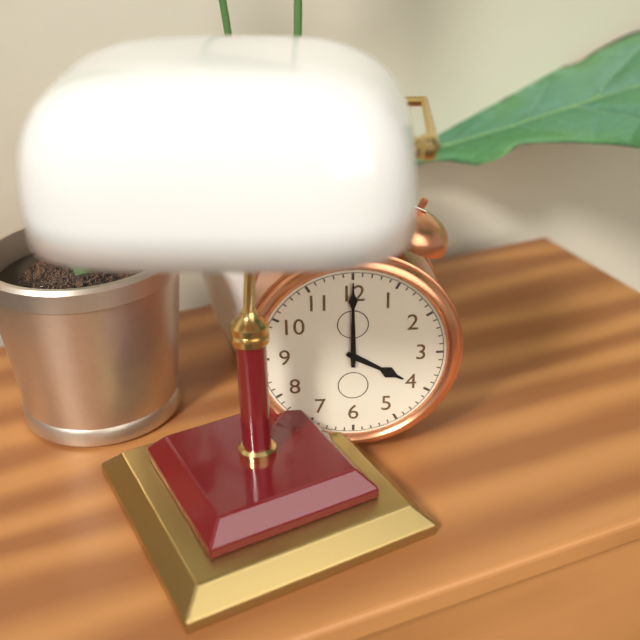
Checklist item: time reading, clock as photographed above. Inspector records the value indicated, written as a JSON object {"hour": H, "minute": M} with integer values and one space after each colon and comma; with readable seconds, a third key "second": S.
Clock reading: {"hour": 4, "minute": 0}
